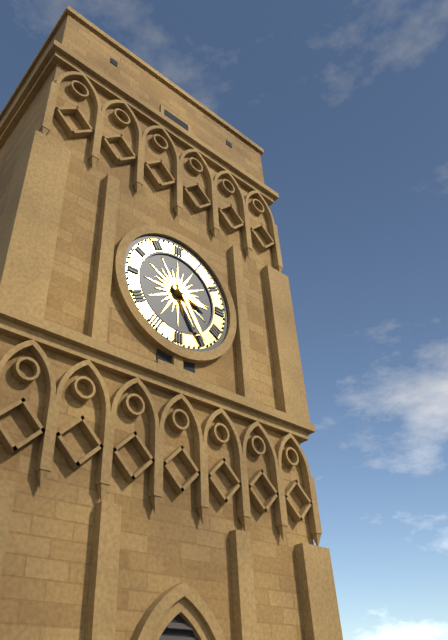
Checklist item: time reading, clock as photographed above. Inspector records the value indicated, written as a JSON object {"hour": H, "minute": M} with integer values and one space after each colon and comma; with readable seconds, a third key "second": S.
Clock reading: {"hour": 3, "minute": 25}
